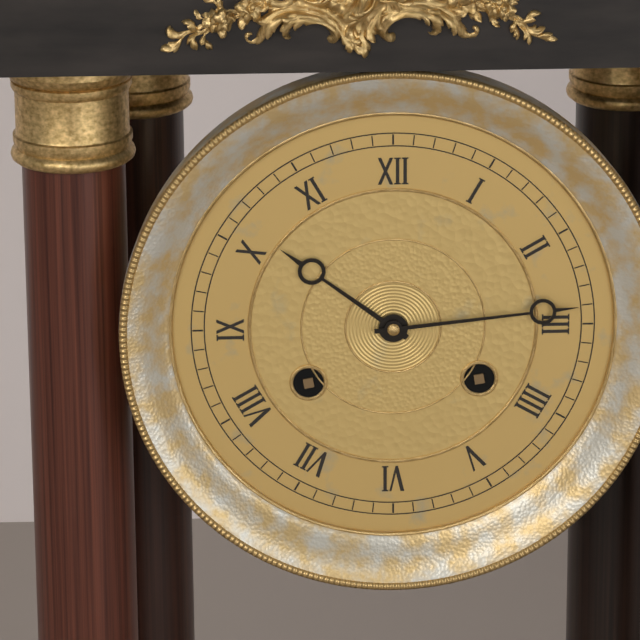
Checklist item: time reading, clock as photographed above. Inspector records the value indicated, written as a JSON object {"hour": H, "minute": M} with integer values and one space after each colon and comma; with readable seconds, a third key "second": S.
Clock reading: {"hour": 10, "minute": 14}
